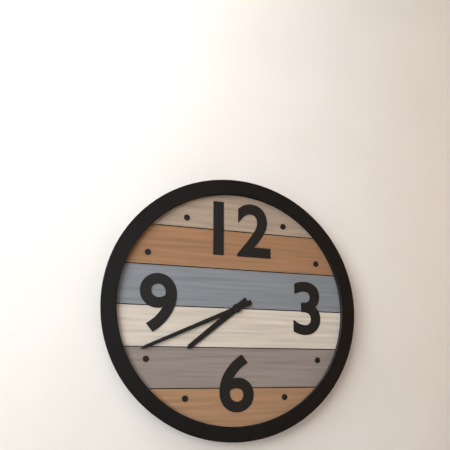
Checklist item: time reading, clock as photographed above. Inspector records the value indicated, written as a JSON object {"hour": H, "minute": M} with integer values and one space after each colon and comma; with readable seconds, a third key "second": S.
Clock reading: {"hour": 7, "minute": 41}
